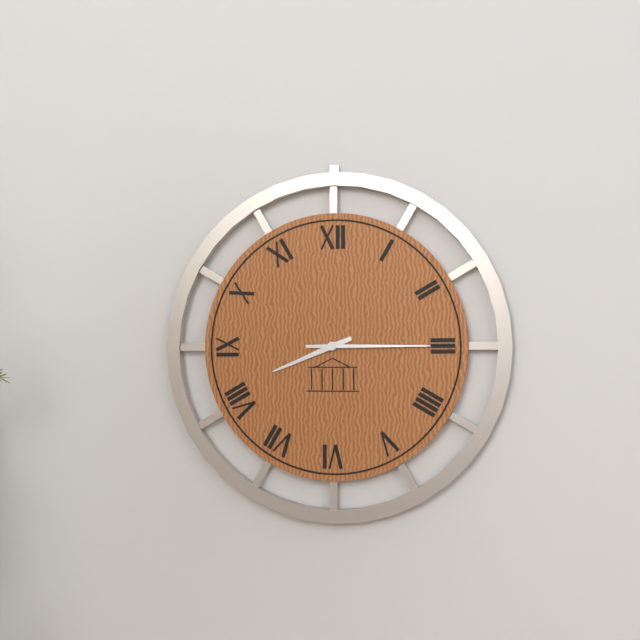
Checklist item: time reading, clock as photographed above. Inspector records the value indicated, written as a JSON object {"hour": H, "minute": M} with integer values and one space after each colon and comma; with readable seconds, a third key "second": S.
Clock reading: {"hour": 8, "minute": 15}
